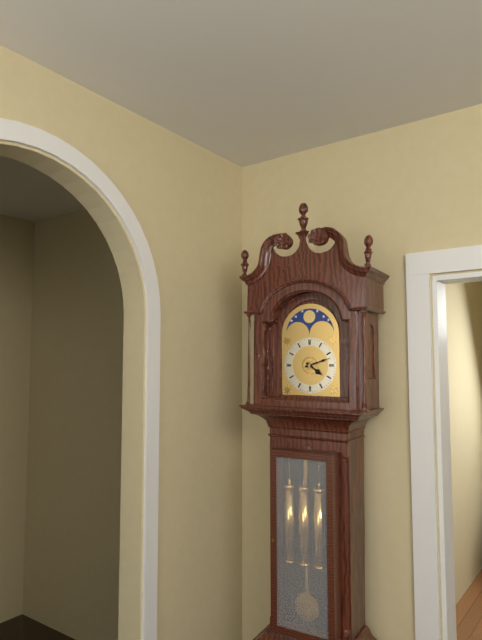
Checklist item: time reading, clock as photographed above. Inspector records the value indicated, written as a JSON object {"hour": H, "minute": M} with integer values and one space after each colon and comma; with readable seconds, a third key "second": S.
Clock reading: {"hour": 4, "minute": 12}
